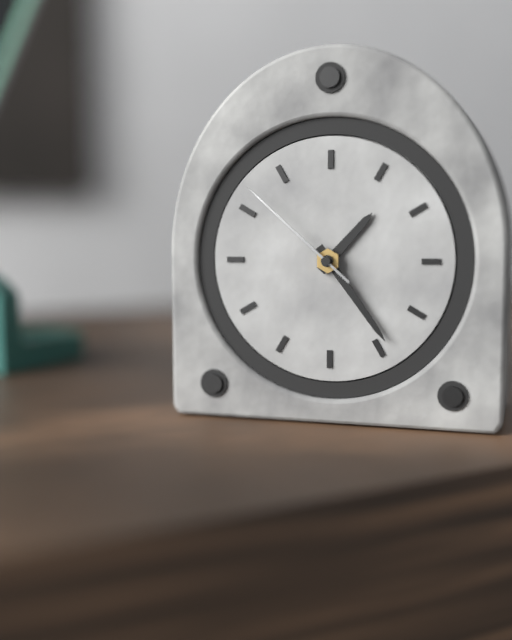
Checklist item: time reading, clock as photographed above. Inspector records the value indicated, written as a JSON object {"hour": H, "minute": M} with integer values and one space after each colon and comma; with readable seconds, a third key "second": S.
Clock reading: {"hour": 1, "minute": 24, "second": 52}
